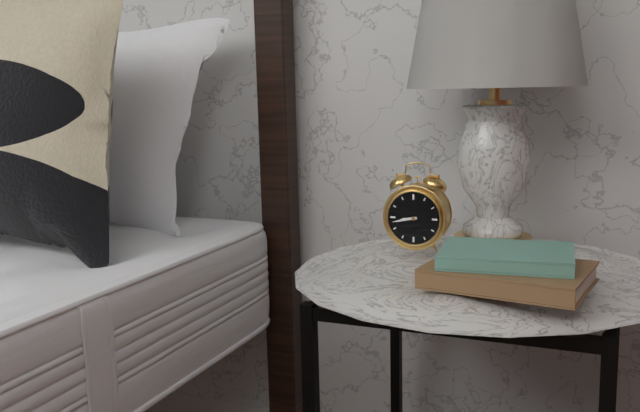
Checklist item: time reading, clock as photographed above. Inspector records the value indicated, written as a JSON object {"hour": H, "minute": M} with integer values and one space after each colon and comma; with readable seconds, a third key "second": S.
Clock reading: {"hour": 8, "minute": 43}
